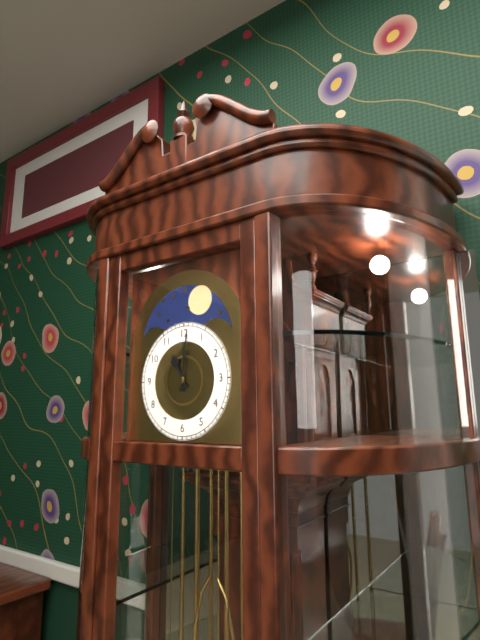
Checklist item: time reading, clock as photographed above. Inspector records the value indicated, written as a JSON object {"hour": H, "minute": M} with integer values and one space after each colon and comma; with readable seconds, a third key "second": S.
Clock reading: {"hour": 11, "minute": 1}
